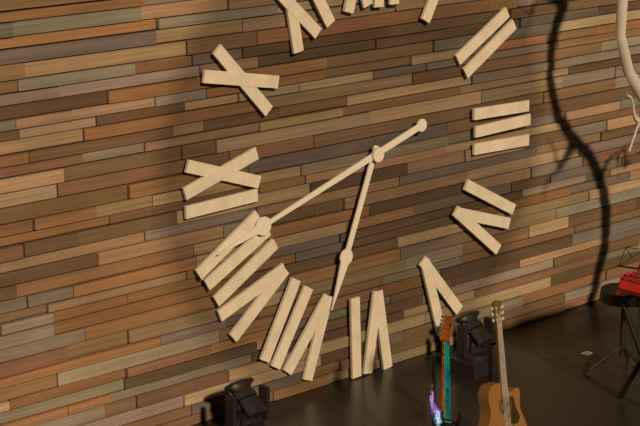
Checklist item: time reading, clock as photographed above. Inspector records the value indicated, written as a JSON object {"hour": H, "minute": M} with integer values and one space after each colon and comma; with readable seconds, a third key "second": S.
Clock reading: {"hour": 6, "minute": 42}
